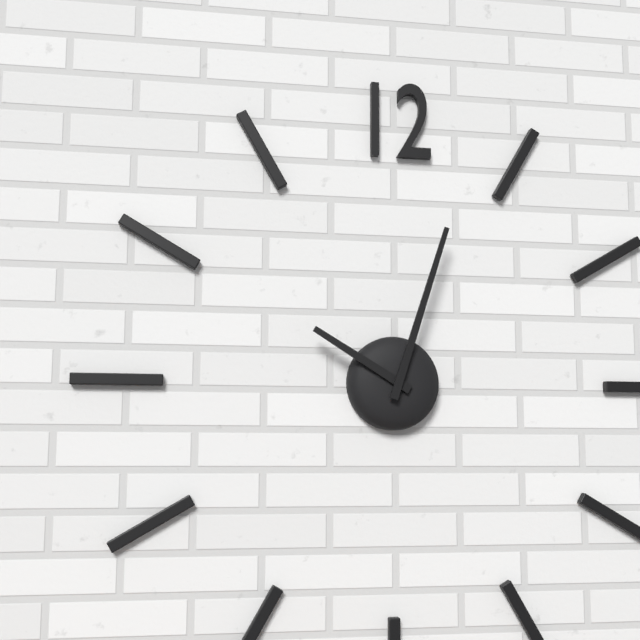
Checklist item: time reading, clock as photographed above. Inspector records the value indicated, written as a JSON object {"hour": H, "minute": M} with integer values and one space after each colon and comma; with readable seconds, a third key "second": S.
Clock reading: {"hour": 10, "minute": 3}
